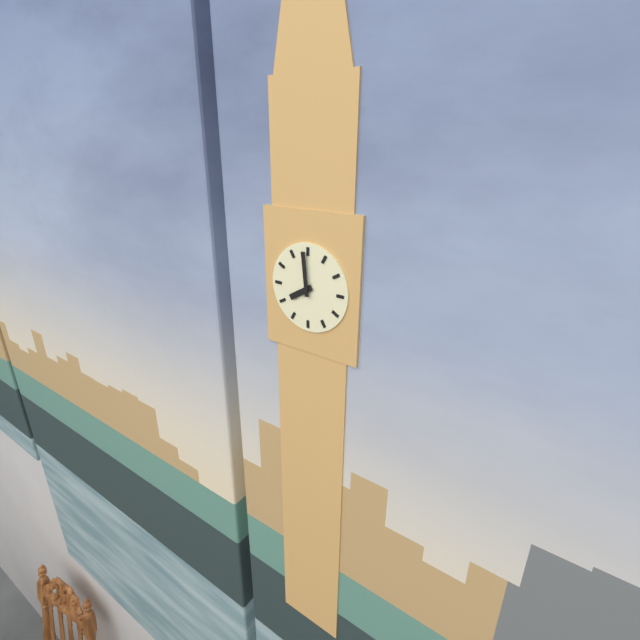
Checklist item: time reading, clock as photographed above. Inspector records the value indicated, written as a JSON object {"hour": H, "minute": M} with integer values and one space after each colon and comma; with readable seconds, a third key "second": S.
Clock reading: {"hour": 7, "minute": 59}
